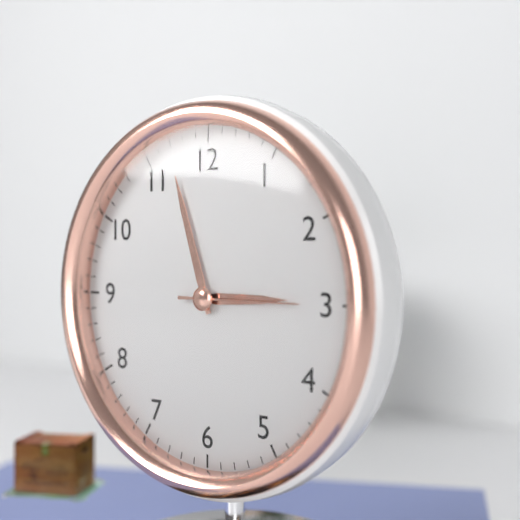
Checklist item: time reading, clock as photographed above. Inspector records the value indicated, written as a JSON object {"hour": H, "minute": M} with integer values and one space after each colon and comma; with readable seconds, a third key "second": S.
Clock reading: {"hour": 2, "minute": 57, "second": 15}
